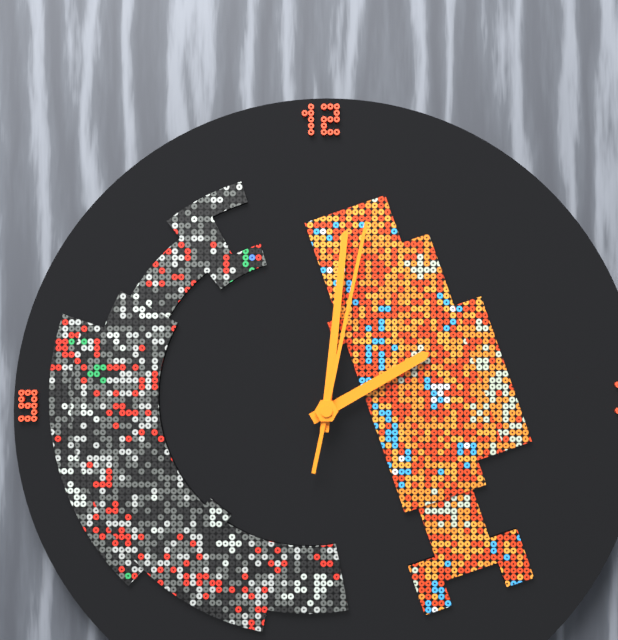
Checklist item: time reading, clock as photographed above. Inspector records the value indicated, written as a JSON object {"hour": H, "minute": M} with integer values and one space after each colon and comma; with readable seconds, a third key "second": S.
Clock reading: {"hour": 2, "minute": 1, "second": 2}
